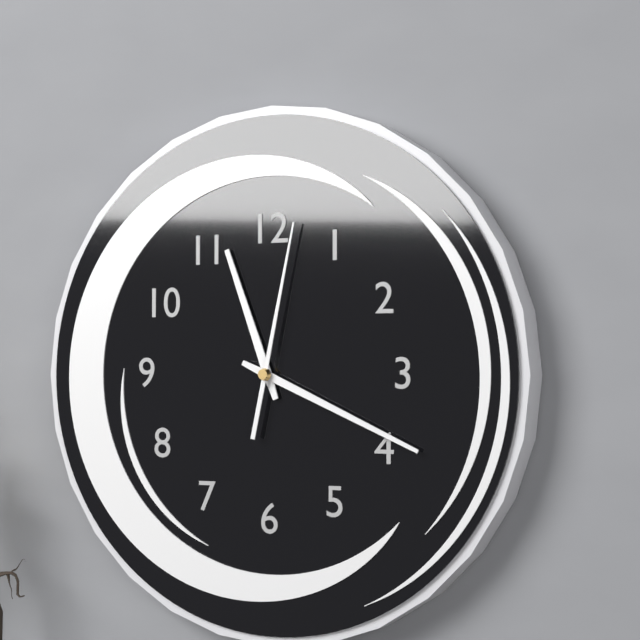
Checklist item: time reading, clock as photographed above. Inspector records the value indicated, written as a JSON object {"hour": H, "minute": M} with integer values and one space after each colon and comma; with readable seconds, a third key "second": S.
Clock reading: {"hour": 11, "minute": 19, "second": 2}
